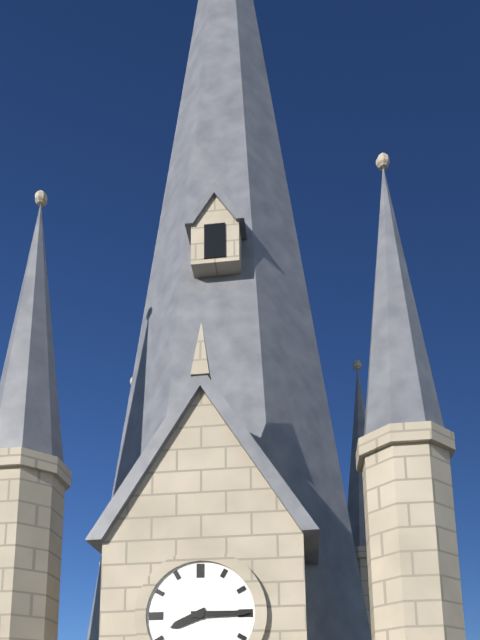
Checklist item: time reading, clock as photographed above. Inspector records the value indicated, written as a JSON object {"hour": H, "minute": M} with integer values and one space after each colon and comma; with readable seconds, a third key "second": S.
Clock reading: {"hour": 8, "minute": 15}
